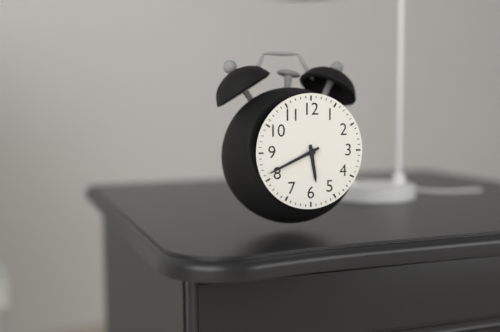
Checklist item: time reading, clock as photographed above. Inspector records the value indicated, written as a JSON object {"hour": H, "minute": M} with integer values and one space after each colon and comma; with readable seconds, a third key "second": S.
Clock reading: {"hour": 5, "minute": 41}
